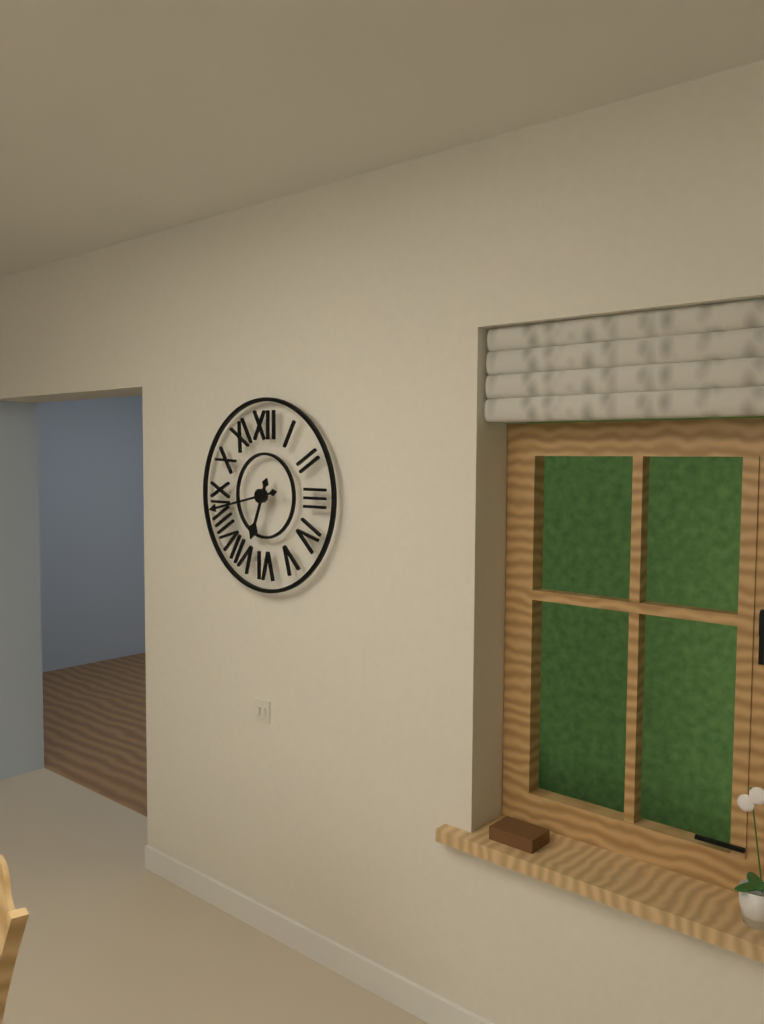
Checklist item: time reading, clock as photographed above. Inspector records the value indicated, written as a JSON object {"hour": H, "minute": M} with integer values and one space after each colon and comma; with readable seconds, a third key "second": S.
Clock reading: {"hour": 6, "minute": 43}
